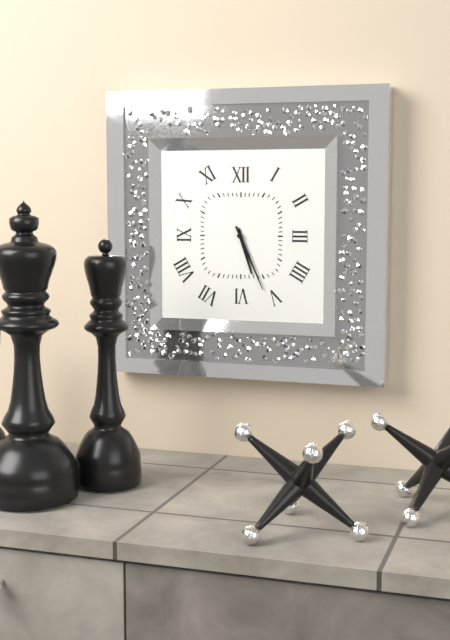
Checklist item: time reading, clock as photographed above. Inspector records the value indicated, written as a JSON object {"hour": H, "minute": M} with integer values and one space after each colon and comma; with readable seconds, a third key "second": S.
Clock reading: {"hour": 5, "minute": 26}
